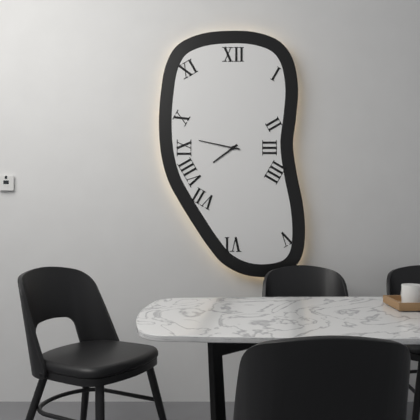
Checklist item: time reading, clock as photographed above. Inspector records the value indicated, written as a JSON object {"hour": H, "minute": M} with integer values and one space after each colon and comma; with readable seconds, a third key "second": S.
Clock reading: {"hour": 7, "minute": 47}
